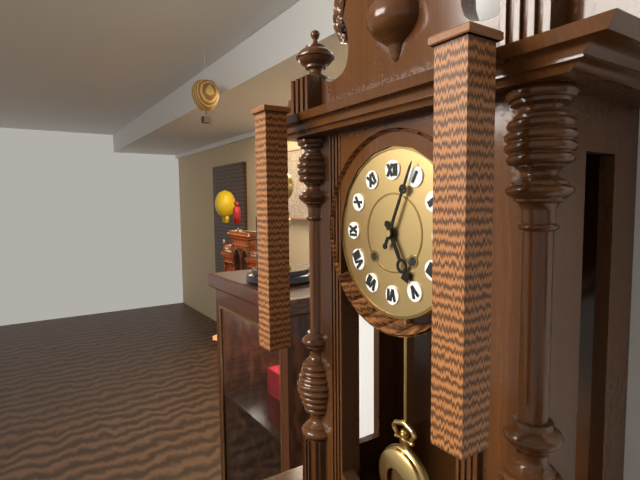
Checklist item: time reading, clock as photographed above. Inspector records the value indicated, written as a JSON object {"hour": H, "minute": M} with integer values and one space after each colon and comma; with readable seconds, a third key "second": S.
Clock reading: {"hour": 5, "minute": 4}
